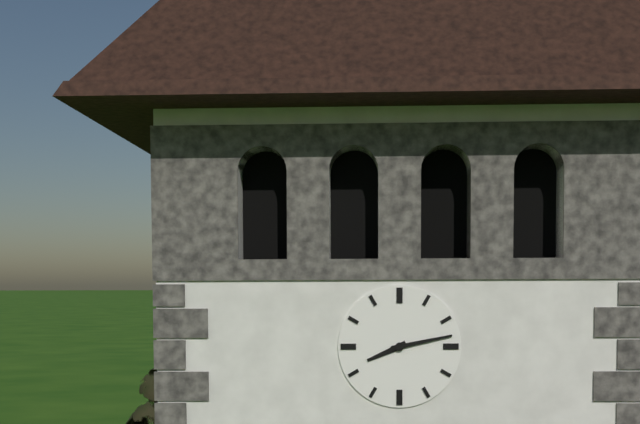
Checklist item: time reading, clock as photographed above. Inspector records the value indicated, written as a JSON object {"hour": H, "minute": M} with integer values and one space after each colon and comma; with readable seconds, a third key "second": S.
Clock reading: {"hour": 8, "minute": 13}
